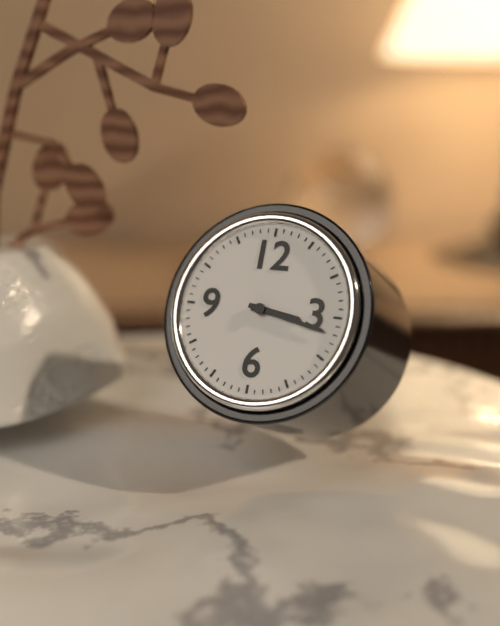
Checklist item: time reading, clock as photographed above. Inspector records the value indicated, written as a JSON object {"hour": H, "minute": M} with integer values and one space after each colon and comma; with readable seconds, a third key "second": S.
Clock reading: {"hour": 3, "minute": 17}
